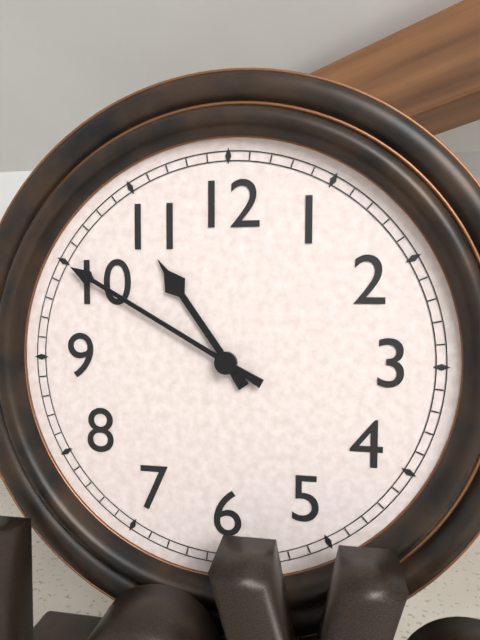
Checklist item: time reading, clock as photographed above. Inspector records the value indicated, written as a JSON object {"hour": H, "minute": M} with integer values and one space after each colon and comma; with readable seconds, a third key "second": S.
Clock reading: {"hour": 10, "minute": 50}
